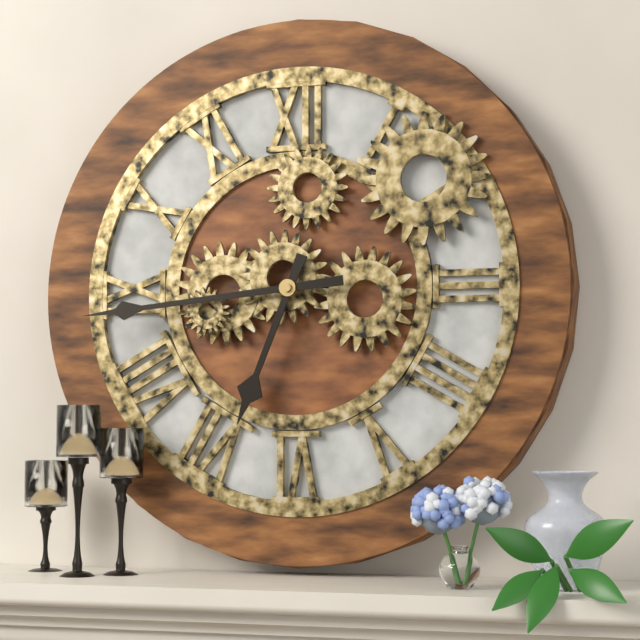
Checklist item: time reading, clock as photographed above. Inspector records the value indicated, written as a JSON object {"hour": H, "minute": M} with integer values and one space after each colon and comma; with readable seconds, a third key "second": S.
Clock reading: {"hour": 6, "minute": 44}
